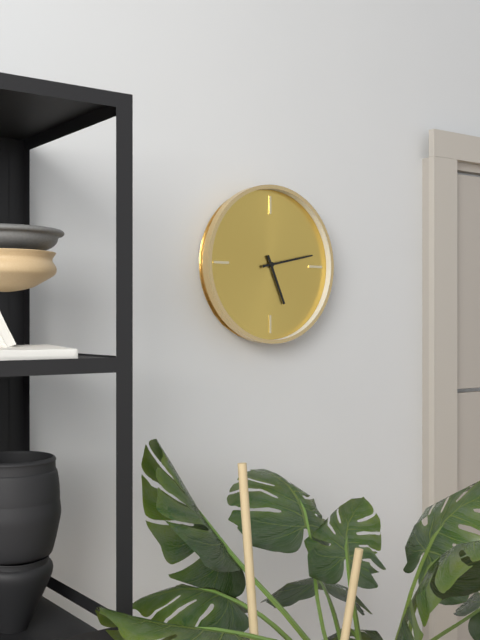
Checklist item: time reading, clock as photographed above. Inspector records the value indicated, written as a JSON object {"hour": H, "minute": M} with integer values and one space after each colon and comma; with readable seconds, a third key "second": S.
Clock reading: {"hour": 5, "minute": 13}
